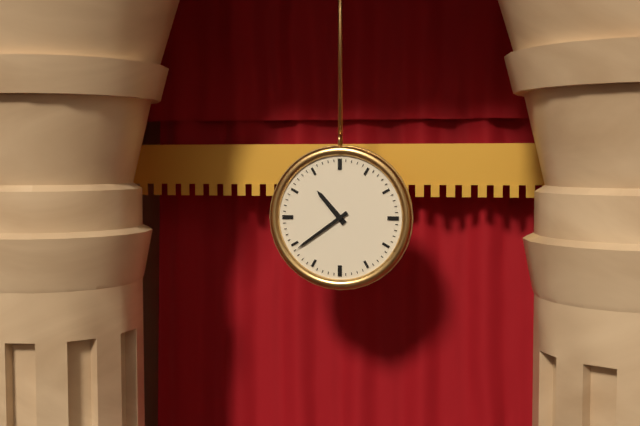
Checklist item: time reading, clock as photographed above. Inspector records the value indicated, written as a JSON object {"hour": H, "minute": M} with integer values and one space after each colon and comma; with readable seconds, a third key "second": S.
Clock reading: {"hour": 10, "minute": 39}
